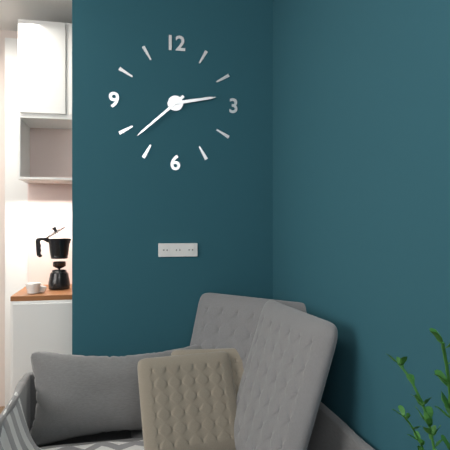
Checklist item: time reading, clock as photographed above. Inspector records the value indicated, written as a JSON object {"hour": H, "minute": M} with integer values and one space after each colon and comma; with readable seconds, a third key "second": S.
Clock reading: {"hour": 2, "minute": 38}
